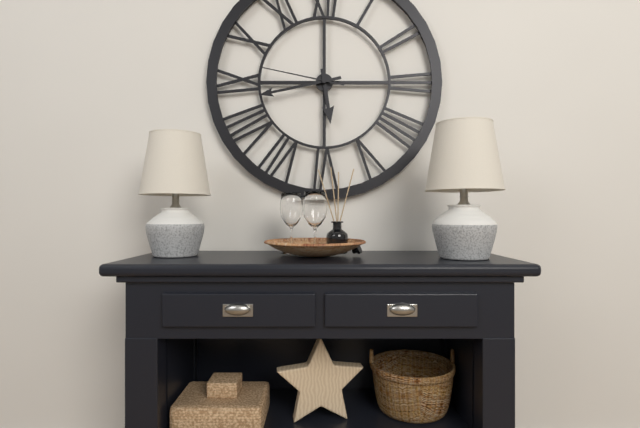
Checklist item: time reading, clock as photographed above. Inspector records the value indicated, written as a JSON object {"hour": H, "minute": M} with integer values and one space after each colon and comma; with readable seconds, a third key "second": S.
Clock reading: {"hour": 5, "minute": 43, "second": 47}
